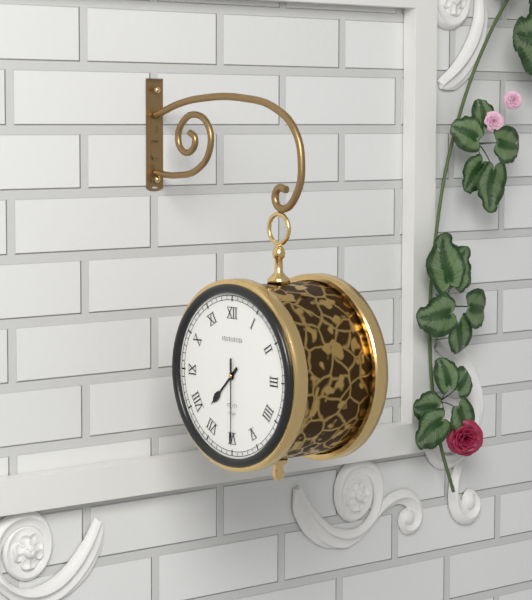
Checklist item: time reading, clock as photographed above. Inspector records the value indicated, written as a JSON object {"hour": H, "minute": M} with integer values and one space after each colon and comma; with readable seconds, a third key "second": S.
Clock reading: {"hour": 7, "minute": 30}
